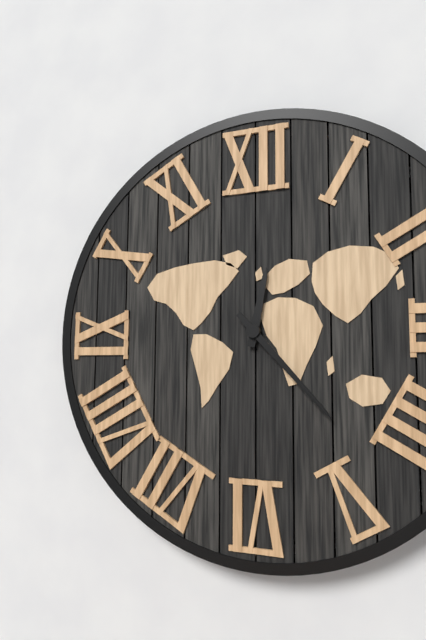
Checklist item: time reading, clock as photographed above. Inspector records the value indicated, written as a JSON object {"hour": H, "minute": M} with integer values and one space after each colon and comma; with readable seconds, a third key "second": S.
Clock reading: {"hour": 12, "minute": 23}
